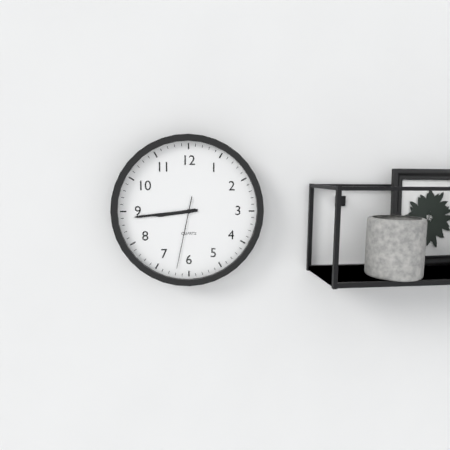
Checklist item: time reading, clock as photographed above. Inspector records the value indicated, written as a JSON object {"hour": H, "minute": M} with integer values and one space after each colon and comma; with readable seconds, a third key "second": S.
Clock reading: {"hour": 8, "minute": 44, "second": 32}
